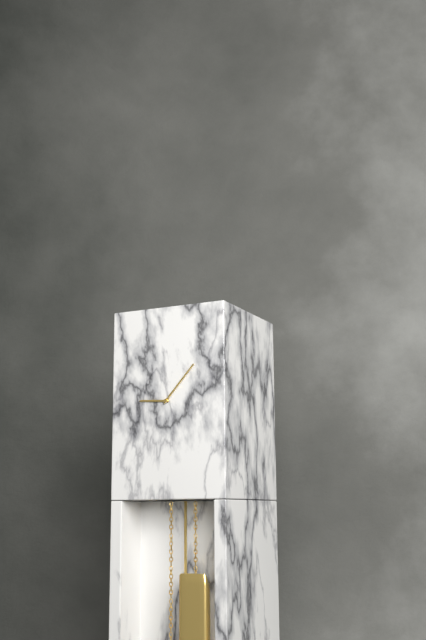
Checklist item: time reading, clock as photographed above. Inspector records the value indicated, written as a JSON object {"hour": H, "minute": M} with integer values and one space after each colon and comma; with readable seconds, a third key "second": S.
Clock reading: {"hour": 9, "minute": 7}
